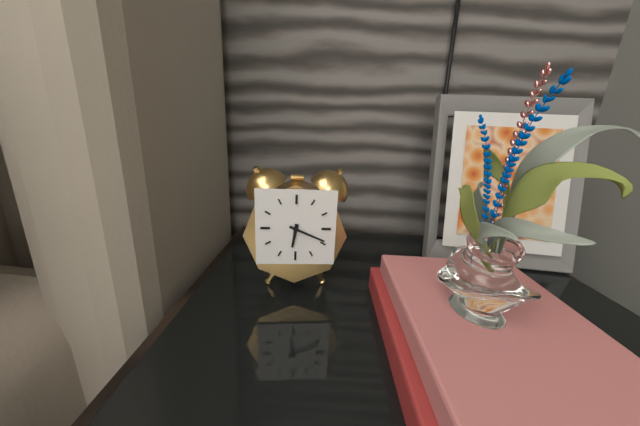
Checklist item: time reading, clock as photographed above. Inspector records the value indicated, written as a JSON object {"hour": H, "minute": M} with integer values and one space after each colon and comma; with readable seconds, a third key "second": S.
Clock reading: {"hour": 6, "minute": 19}
